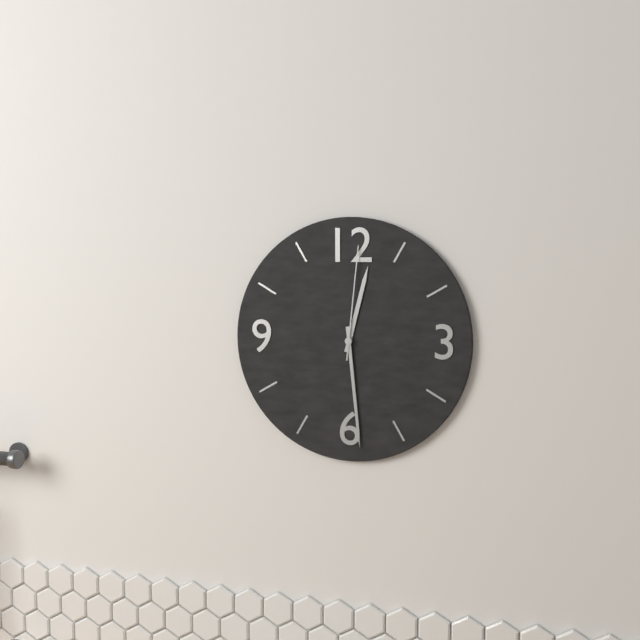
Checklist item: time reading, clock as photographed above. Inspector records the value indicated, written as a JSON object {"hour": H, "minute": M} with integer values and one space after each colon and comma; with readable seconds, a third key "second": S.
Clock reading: {"hour": 12, "minute": 29, "second": 1}
